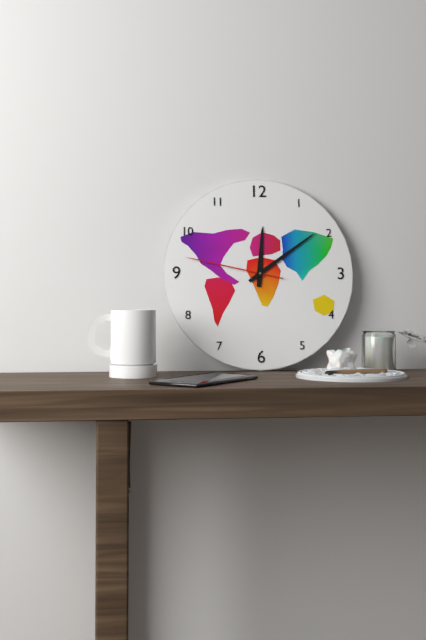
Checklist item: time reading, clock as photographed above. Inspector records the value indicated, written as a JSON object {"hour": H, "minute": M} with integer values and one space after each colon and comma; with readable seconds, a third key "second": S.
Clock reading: {"hour": 12, "minute": 9, "second": 47}
